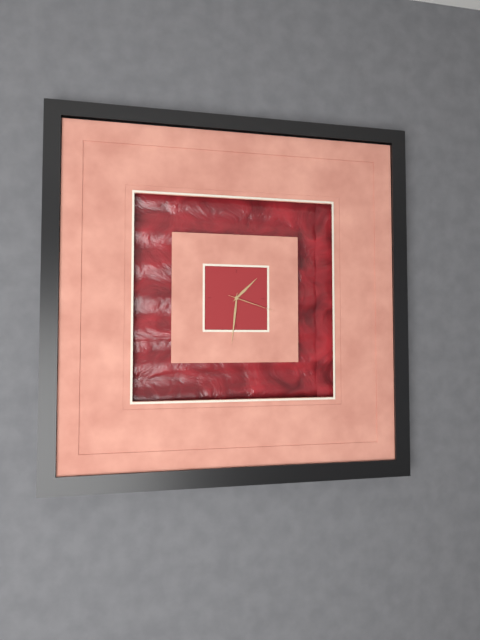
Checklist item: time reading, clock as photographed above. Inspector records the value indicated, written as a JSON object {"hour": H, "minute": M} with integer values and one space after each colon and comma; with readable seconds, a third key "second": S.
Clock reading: {"hour": 1, "minute": 31, "second": 18}
